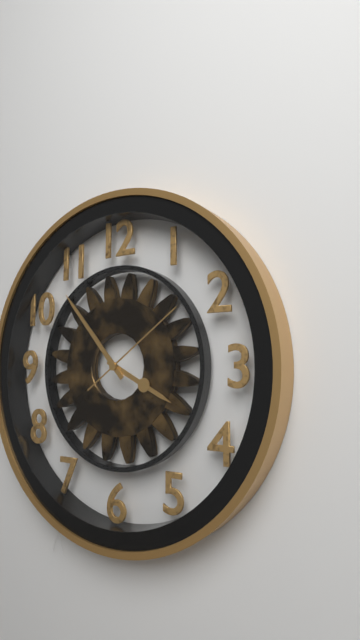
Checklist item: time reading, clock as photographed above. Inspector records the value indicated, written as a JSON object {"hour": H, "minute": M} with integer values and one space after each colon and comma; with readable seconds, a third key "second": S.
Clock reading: {"hour": 3, "minute": 53, "second": 9}
